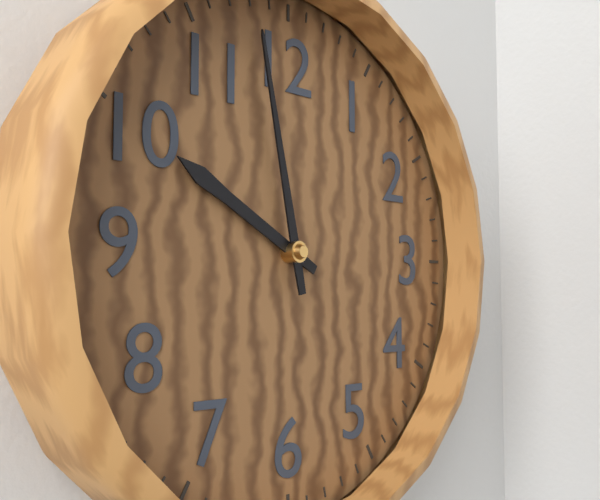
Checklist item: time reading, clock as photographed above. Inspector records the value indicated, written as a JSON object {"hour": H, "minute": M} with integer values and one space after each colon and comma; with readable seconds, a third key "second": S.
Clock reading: {"hour": 9, "minute": 58}
